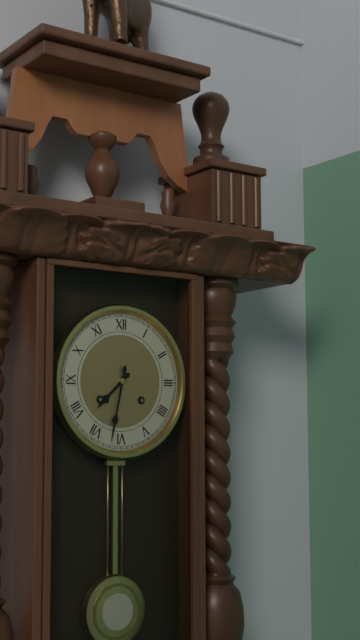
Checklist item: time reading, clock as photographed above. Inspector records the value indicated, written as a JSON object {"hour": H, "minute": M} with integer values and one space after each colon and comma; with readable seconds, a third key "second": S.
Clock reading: {"hour": 7, "minute": 32}
